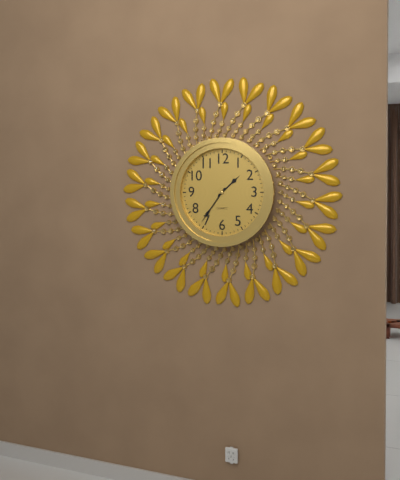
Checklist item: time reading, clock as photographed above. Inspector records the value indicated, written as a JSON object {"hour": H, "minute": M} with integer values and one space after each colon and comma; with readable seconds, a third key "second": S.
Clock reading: {"hour": 1, "minute": 36}
